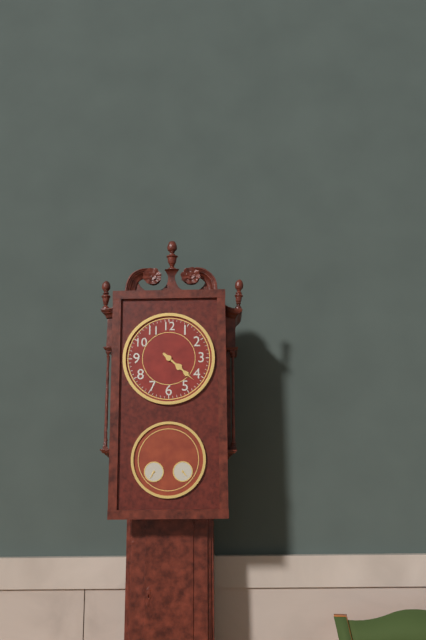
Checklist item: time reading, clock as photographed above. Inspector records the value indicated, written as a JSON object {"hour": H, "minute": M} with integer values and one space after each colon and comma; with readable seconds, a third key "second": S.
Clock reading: {"hour": 4, "minute": 22}
